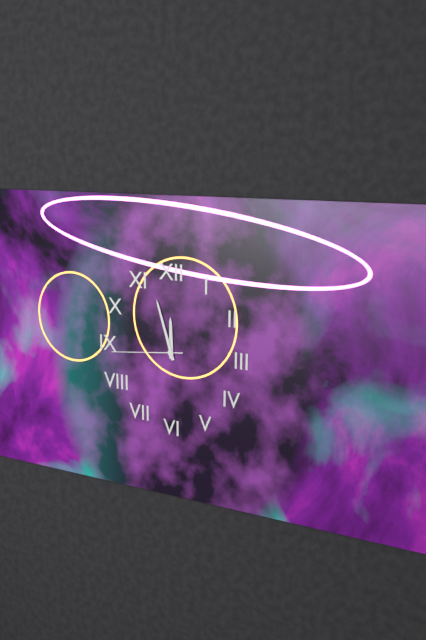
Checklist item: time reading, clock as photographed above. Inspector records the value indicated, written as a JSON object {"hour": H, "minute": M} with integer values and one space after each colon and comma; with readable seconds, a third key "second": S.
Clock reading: {"hour": 11, "minute": 57, "second": 44}
